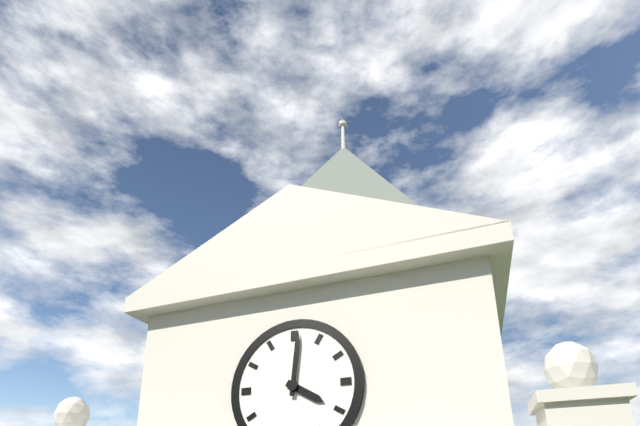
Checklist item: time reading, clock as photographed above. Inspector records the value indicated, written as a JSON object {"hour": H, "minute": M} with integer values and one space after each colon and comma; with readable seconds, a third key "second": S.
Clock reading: {"hour": 4, "minute": 1}
